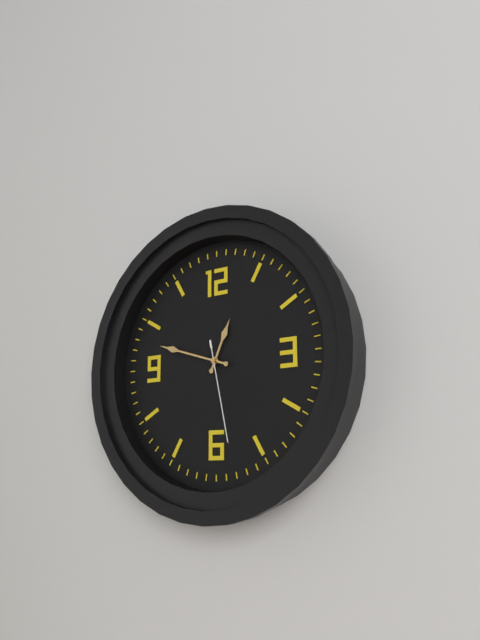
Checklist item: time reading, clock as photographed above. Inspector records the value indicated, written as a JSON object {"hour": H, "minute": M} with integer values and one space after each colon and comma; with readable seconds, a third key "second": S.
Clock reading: {"hour": 12, "minute": 48, "second": 28}
